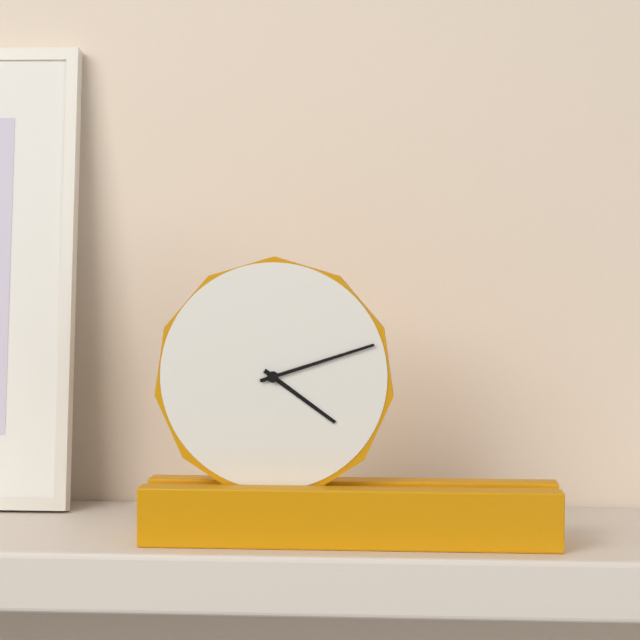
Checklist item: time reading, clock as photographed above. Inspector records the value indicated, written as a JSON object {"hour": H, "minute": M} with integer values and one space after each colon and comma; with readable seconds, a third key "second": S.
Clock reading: {"hour": 4, "minute": 12}
